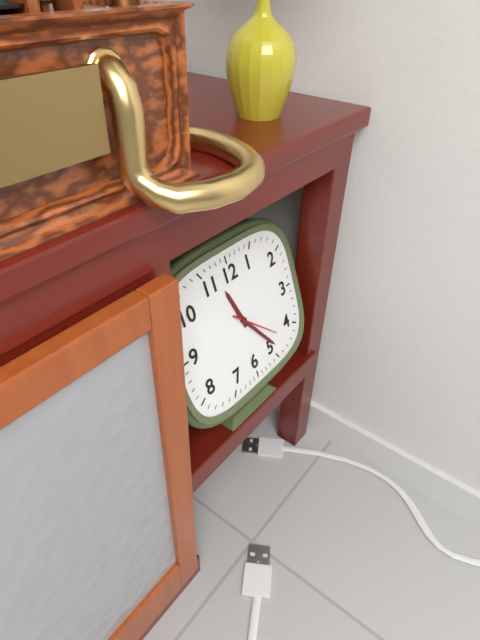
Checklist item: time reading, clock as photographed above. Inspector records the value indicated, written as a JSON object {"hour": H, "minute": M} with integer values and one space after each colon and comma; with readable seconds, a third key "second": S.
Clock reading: {"hour": 11, "minute": 24, "second": 22}
